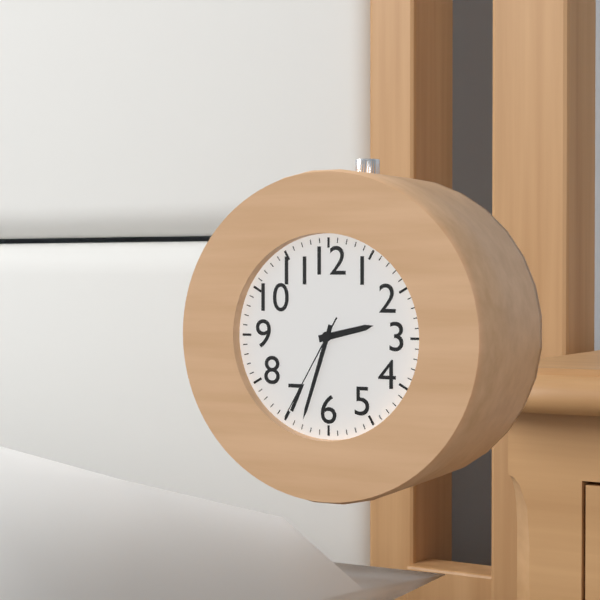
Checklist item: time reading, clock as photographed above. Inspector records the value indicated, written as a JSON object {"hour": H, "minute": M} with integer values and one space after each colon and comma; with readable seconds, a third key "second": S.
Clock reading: {"hour": 2, "minute": 33, "second": 35}
